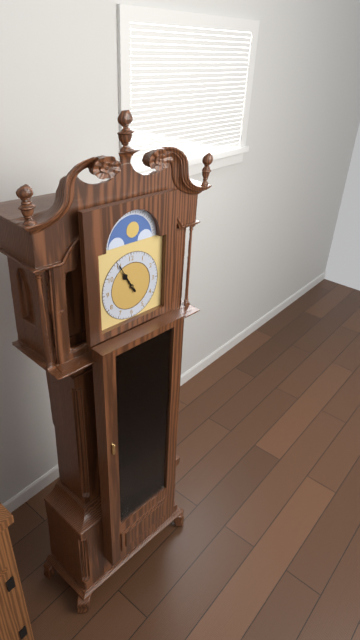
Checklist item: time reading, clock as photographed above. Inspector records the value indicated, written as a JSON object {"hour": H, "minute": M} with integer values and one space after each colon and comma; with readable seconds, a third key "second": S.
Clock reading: {"hour": 10, "minute": 55}
